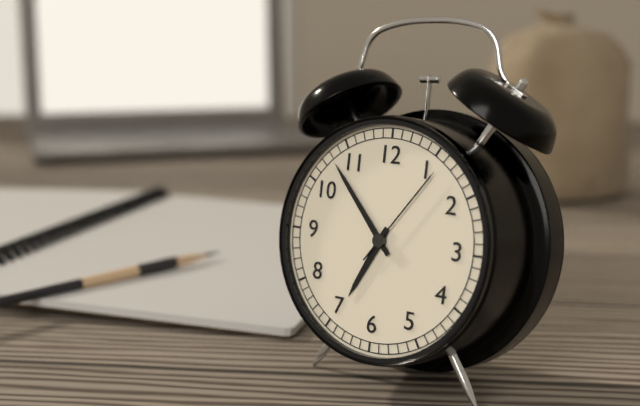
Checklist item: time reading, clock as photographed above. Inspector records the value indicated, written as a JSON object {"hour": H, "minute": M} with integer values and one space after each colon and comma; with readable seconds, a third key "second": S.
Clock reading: {"hour": 6, "minute": 53, "second": 6}
